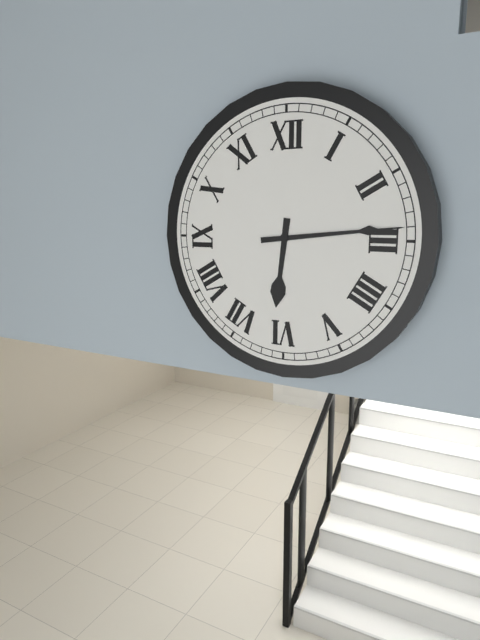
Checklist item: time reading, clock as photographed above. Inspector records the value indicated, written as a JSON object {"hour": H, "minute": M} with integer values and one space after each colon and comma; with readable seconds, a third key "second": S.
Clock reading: {"hour": 6, "minute": 14}
